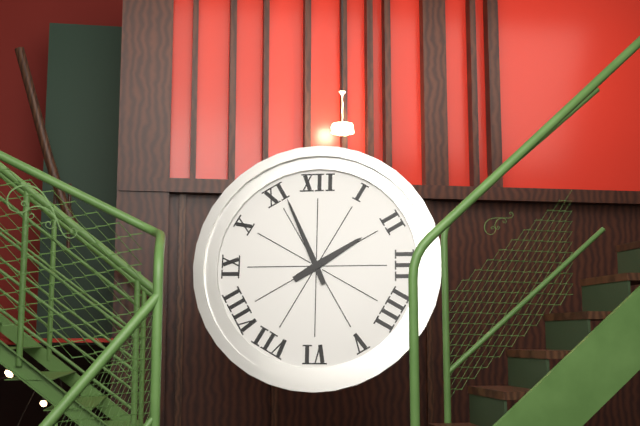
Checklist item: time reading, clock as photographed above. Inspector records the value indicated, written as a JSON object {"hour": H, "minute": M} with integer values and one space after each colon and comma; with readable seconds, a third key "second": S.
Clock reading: {"hour": 1, "minute": 56}
